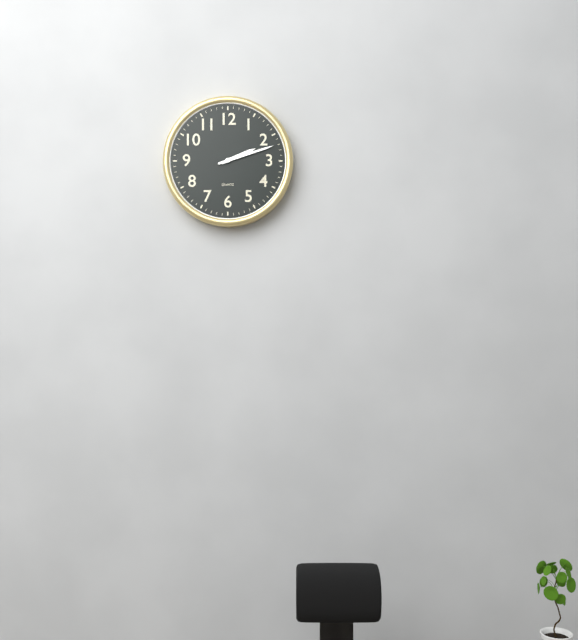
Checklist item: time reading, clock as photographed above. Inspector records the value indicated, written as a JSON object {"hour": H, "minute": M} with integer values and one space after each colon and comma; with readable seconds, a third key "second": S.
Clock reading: {"hour": 2, "minute": 12}
